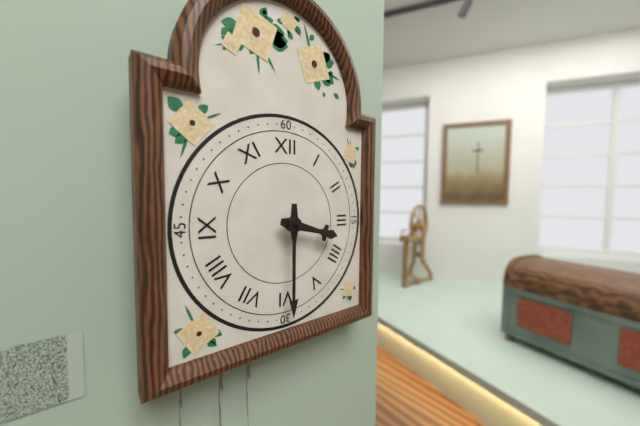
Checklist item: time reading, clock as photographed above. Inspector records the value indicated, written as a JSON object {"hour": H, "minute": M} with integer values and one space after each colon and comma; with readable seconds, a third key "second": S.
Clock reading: {"hour": 3, "minute": 30}
